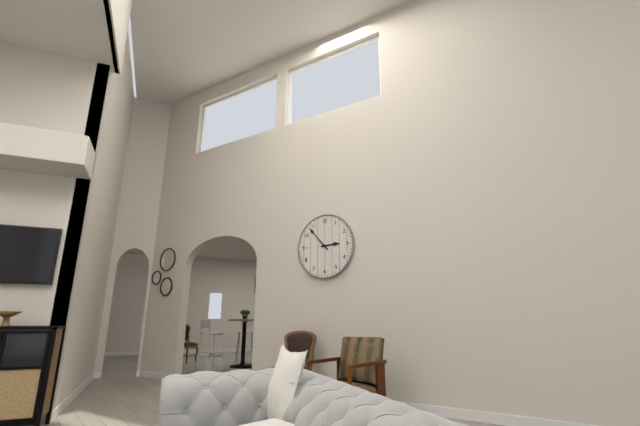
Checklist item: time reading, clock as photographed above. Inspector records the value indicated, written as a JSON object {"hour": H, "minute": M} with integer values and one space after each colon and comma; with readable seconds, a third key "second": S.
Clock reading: {"hour": 2, "minute": 53}
